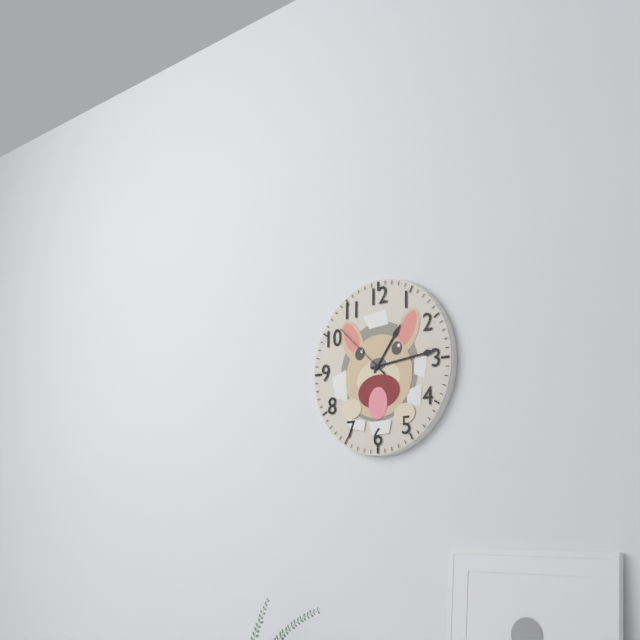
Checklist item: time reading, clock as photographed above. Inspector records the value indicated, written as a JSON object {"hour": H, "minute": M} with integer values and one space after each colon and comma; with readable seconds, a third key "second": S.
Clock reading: {"hour": 1, "minute": 14, "second": 52}
